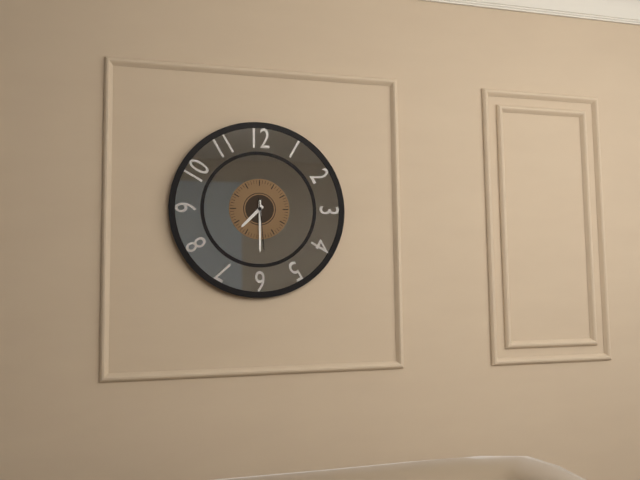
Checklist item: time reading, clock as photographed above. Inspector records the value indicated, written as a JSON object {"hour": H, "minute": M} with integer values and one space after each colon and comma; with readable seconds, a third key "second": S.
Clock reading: {"hour": 7, "minute": 30, "second": 29}
